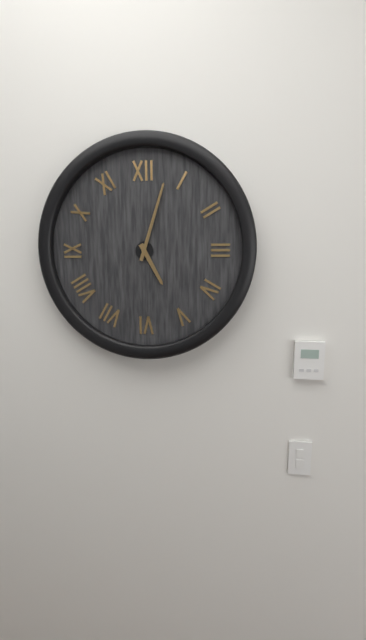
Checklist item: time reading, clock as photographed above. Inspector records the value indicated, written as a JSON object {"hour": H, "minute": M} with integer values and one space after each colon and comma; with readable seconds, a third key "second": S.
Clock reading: {"hour": 5, "minute": 3}
